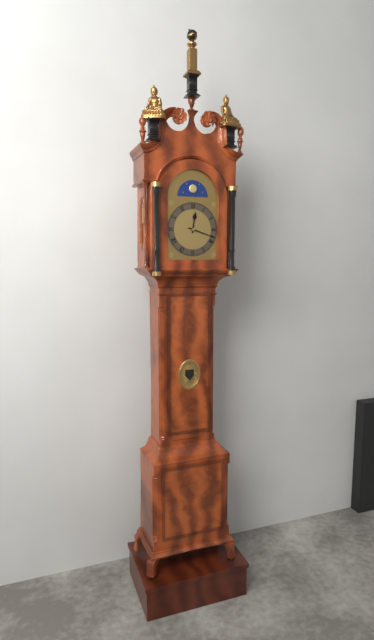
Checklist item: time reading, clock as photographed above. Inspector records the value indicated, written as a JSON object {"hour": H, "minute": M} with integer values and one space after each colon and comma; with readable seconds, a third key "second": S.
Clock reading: {"hour": 12, "minute": 18}
